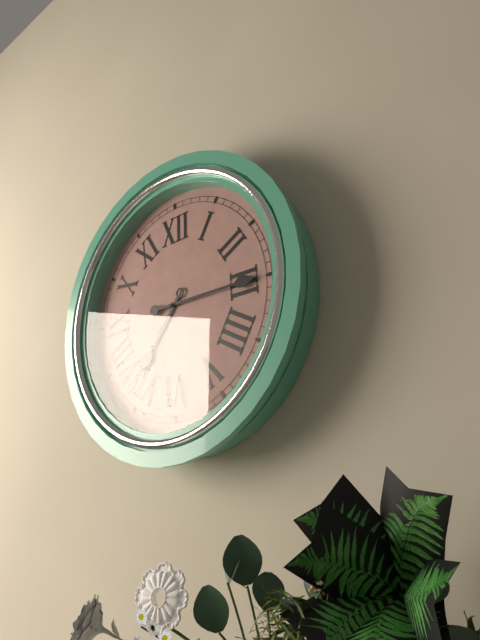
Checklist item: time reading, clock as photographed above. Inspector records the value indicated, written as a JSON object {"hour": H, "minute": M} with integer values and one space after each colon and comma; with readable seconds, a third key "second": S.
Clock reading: {"hour": 7, "minute": 15}
